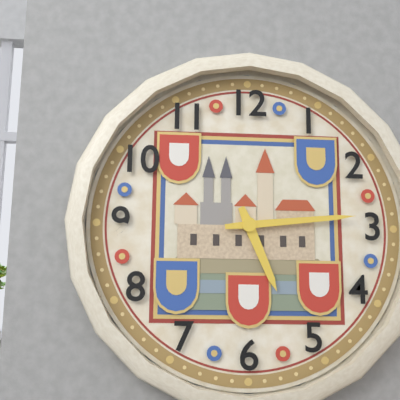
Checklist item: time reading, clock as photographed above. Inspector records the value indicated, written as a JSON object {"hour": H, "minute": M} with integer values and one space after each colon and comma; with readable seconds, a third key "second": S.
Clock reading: {"hour": 5, "minute": 14}
